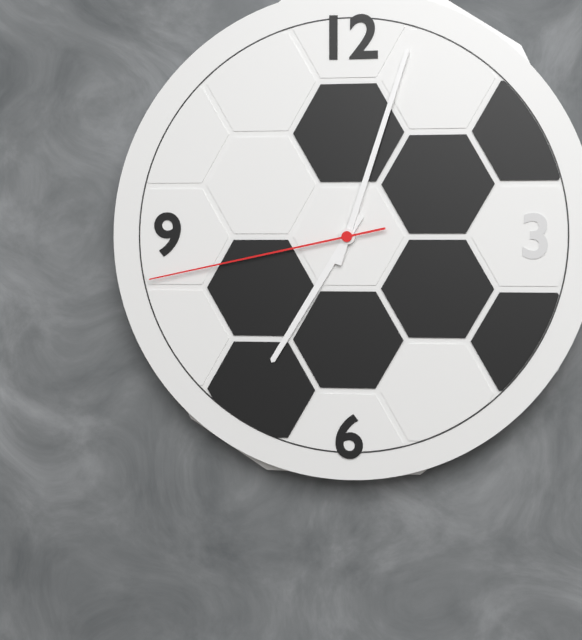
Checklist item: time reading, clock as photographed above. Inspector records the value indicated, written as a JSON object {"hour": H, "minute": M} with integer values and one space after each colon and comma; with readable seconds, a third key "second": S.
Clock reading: {"hour": 7, "minute": 3, "second": 43}
